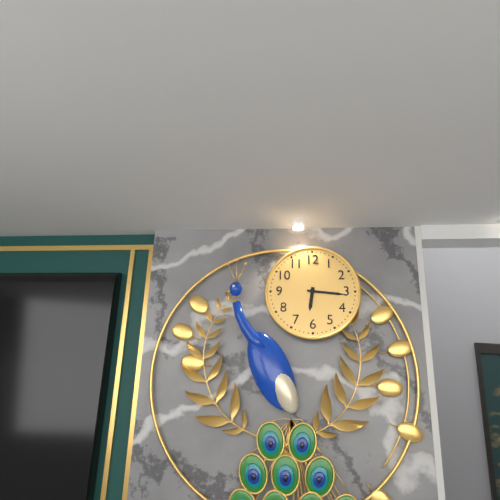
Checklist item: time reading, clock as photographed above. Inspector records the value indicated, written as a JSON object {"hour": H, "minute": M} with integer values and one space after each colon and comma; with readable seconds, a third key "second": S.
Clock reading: {"hour": 6, "minute": 16}
